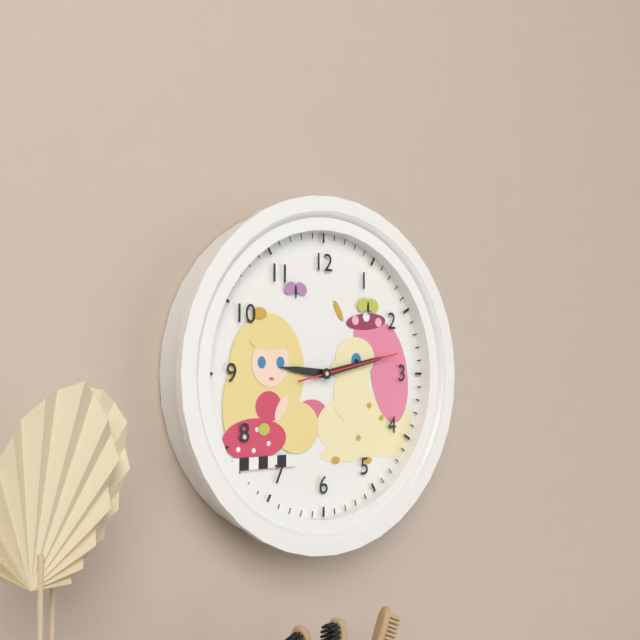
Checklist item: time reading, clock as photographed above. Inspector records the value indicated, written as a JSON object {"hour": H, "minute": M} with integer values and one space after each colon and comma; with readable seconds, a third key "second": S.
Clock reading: {"hour": 9, "minute": 13, "second": 13}
